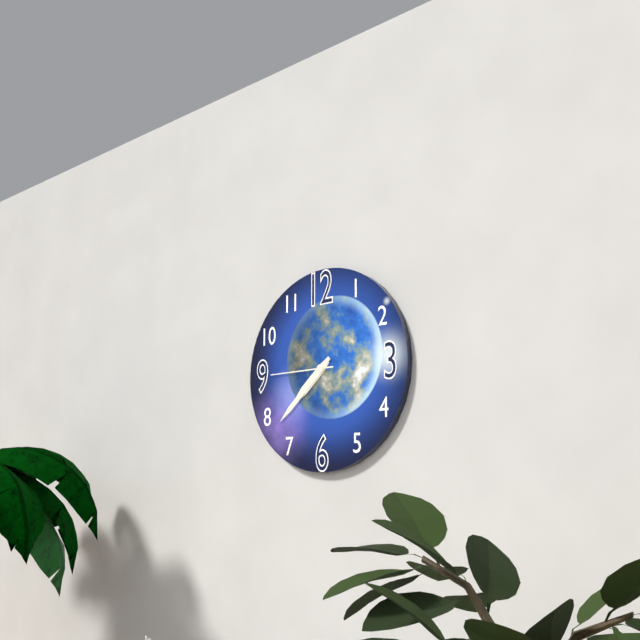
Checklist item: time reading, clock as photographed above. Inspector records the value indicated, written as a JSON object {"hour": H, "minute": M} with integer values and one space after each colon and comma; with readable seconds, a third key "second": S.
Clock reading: {"hour": 7, "minute": 38, "second": 45}
